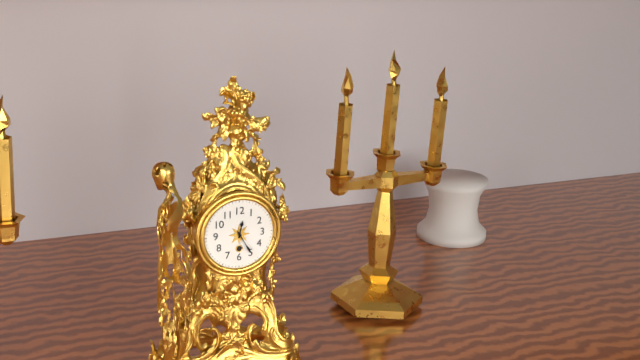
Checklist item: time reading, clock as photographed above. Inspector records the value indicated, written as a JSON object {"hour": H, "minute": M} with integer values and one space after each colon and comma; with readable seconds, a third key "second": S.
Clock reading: {"hour": 12, "minute": 25}
